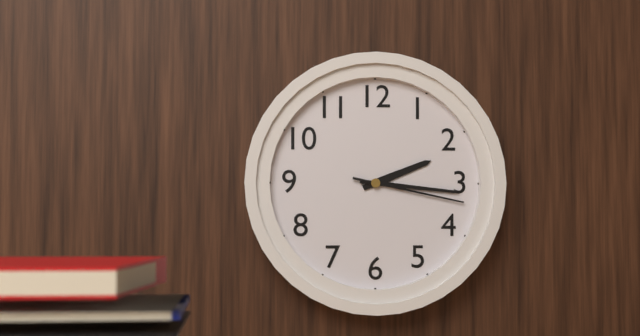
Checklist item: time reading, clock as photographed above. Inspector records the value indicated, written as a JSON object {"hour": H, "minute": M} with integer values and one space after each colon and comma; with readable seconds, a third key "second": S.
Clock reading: {"hour": 2, "minute": 16, "second": 17}
